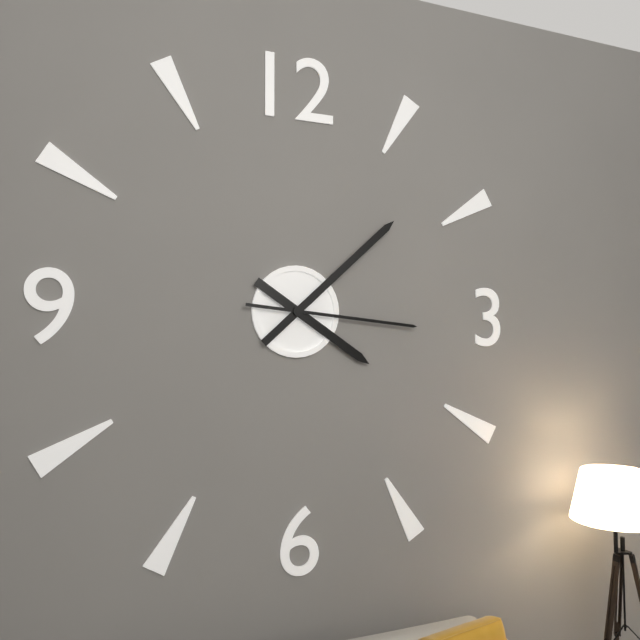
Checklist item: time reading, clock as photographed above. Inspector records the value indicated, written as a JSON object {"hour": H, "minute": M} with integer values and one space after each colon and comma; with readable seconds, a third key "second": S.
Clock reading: {"hour": 4, "minute": 8, "second": 16}
